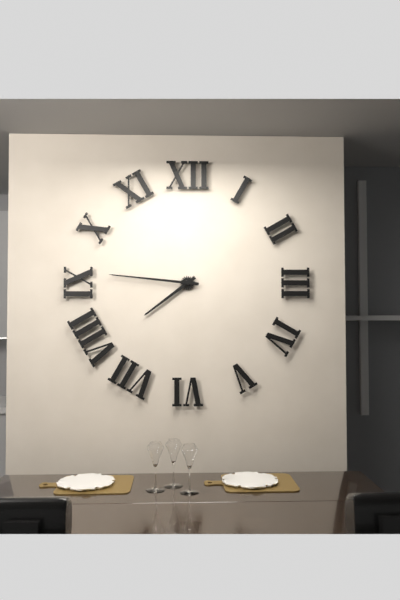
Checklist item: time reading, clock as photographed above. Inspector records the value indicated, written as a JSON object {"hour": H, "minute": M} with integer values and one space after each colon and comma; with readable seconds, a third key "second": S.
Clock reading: {"hour": 7, "minute": 46}
